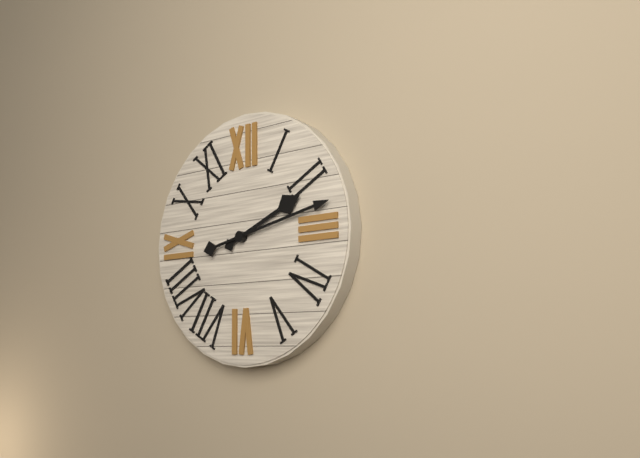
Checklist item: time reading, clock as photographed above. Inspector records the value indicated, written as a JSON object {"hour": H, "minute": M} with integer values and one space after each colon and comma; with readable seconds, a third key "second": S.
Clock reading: {"hour": 2, "minute": 13}
